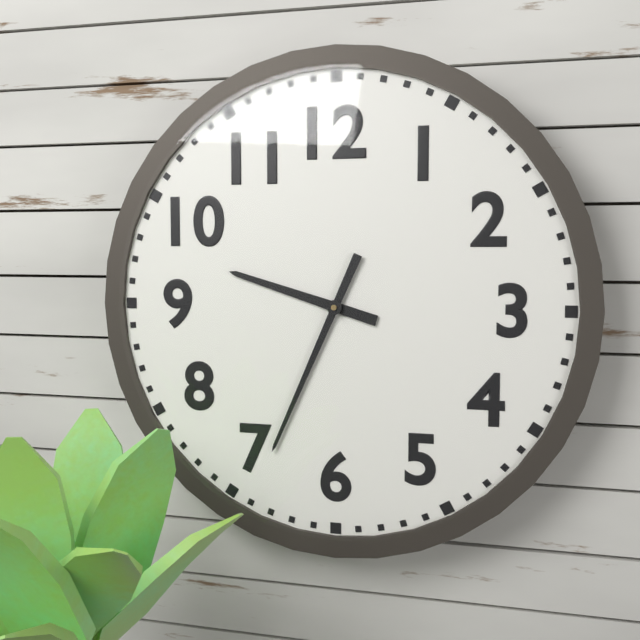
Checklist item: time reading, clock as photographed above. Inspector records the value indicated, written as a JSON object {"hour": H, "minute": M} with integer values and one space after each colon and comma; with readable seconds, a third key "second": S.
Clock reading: {"hour": 9, "minute": 34}
